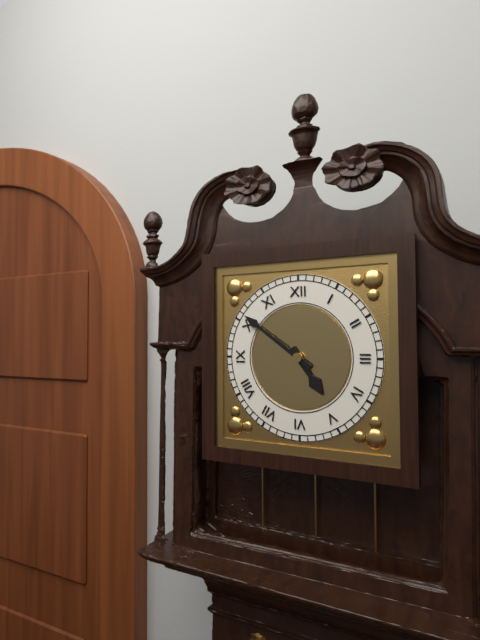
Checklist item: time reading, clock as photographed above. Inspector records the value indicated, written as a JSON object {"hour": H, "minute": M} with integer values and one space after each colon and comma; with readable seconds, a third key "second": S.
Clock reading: {"hour": 4, "minute": 51}
